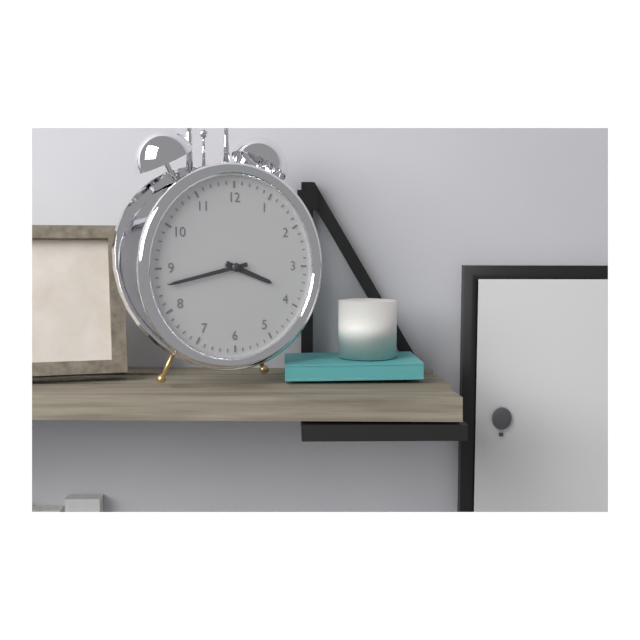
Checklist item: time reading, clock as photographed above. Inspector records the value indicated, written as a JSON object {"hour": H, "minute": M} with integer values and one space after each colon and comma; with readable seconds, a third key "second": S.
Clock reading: {"hour": 3, "minute": 43}
